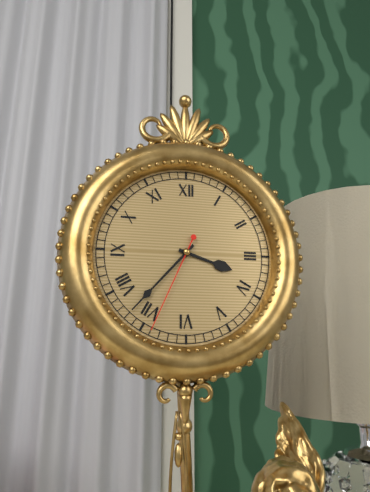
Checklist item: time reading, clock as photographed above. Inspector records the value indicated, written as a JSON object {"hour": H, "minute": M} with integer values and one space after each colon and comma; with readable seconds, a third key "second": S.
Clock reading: {"hour": 3, "minute": 37, "second": 34}
